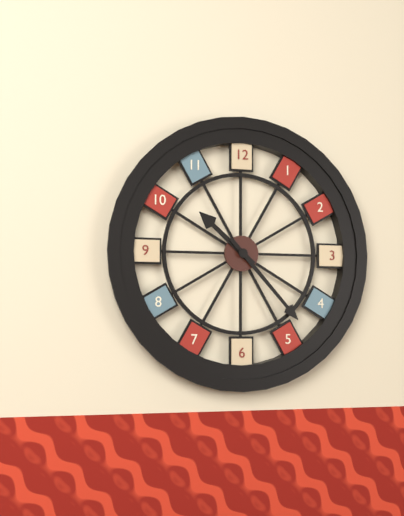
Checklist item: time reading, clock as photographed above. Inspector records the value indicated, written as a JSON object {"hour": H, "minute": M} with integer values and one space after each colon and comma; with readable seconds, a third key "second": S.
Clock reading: {"hour": 10, "minute": 23}
